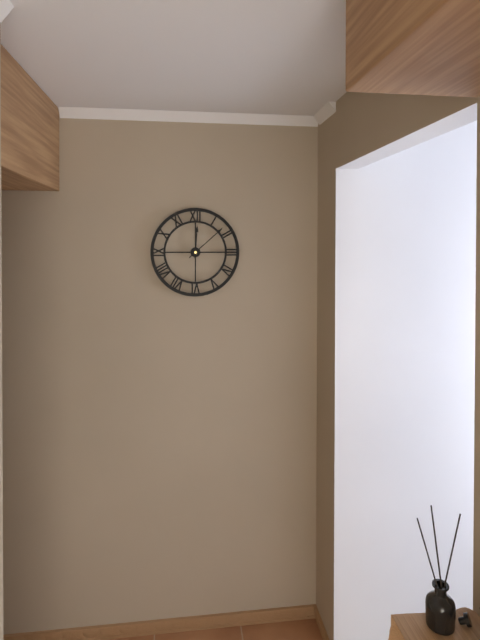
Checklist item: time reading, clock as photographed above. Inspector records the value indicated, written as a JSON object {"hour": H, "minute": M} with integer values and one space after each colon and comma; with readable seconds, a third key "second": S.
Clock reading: {"hour": 12, "minute": 8}
